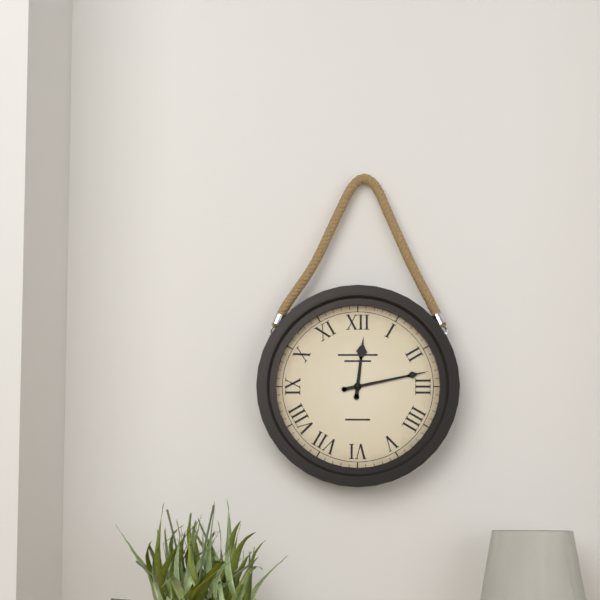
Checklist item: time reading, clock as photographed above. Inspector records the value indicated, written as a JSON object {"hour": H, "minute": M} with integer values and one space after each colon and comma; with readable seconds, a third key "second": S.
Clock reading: {"hour": 12, "minute": 13}
